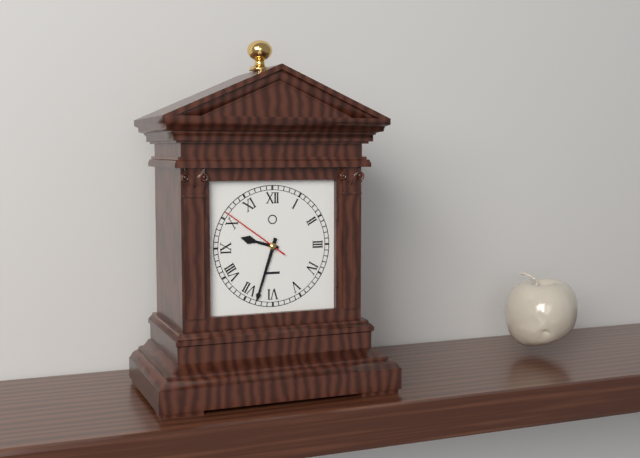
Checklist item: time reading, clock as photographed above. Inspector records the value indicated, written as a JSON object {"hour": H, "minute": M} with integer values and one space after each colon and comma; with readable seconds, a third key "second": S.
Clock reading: {"hour": 9, "minute": 33, "second": 51}
